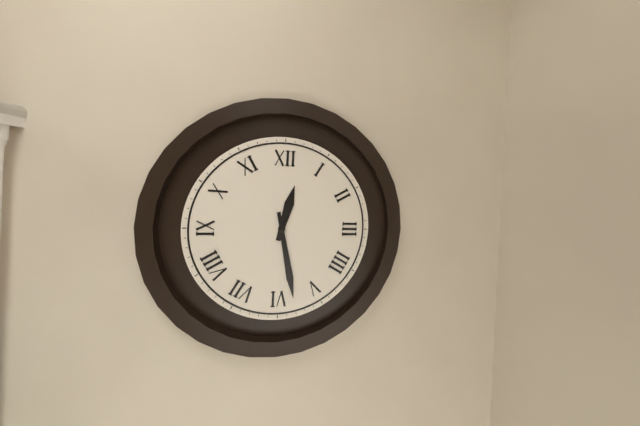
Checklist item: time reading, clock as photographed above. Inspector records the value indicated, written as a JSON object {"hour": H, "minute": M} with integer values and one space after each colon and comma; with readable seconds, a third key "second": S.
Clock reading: {"hour": 12, "minute": 28}
